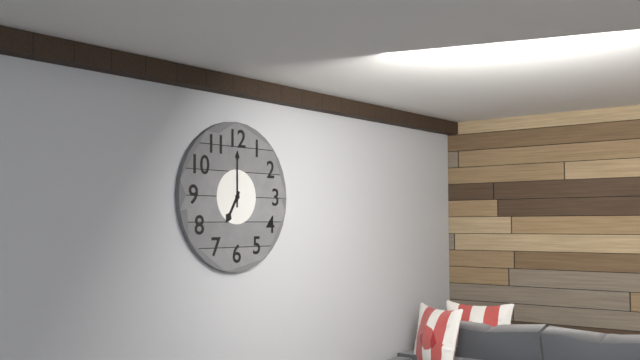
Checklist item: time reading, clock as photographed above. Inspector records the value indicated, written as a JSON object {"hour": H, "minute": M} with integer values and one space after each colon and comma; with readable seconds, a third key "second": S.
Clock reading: {"hour": 7, "minute": 0}
